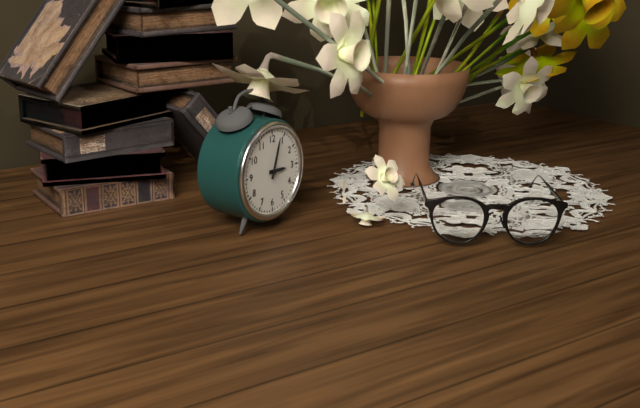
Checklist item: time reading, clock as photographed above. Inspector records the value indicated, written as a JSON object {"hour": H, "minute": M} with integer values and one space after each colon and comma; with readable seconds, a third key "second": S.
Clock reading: {"hour": 3, "minute": 3}
